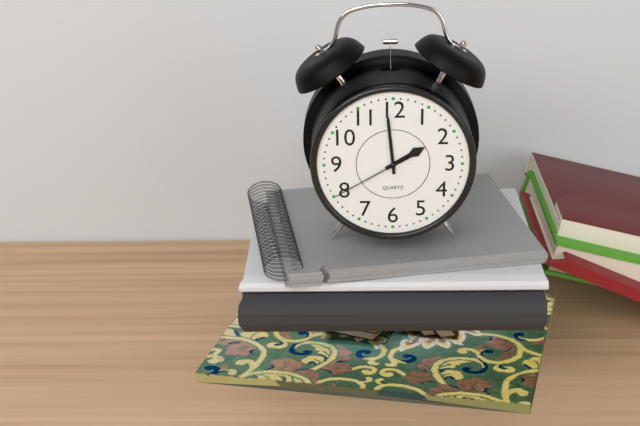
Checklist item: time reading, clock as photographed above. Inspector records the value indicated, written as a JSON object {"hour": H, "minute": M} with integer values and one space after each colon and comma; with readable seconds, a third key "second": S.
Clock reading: {"hour": 1, "minute": 59, "second": 40}
